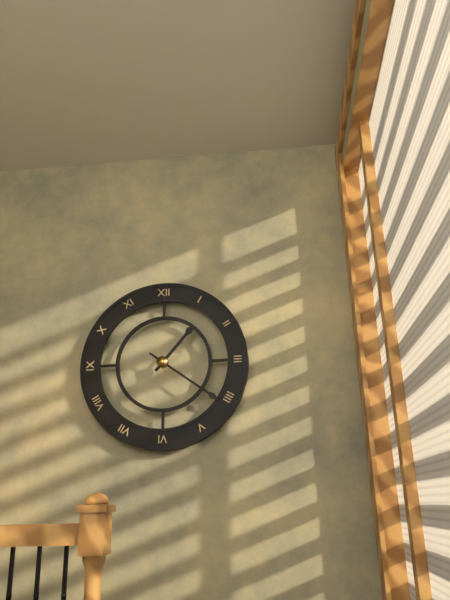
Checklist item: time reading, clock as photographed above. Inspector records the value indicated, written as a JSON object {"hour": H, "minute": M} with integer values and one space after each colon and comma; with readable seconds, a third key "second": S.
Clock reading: {"hour": 1, "minute": 21}
